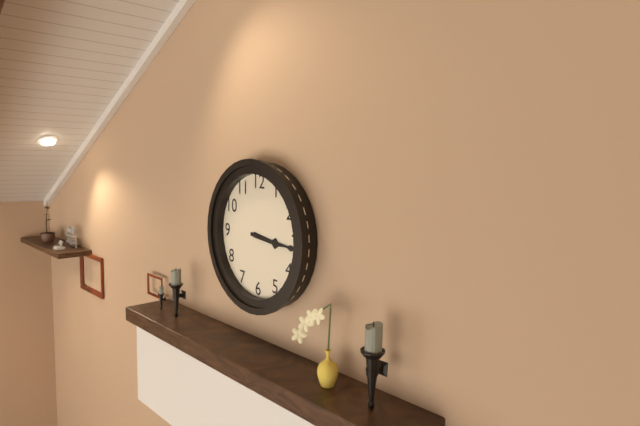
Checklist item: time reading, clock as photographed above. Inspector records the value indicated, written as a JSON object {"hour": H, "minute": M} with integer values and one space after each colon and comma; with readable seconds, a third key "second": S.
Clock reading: {"hour": 3, "minute": 16}
